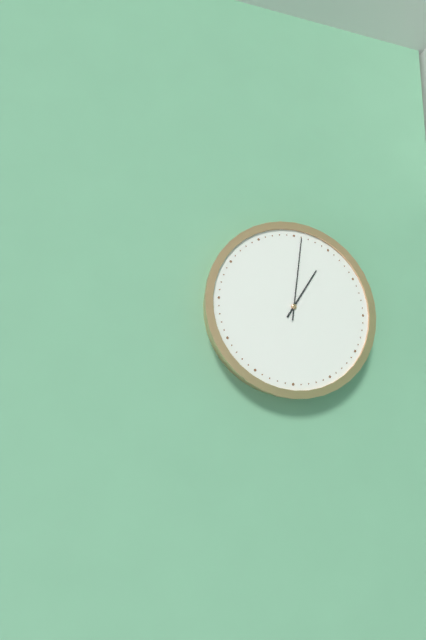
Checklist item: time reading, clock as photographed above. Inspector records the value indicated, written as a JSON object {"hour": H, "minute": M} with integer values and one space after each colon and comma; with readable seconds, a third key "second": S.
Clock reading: {"hour": 1, "minute": 1}
